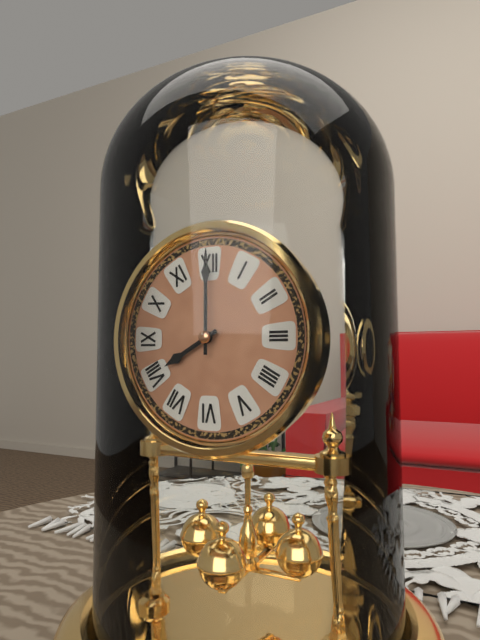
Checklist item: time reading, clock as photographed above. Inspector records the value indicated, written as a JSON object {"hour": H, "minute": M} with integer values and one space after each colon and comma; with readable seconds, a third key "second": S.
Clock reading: {"hour": 8, "minute": 0}
